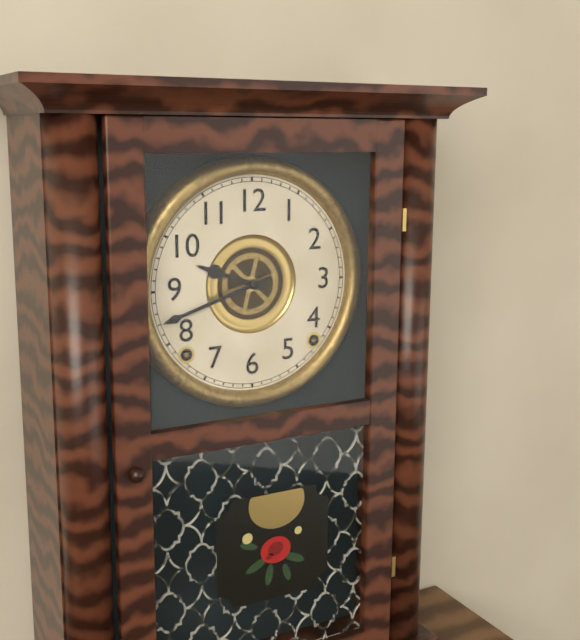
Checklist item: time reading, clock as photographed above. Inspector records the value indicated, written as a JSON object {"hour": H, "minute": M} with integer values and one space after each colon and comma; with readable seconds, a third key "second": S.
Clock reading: {"hour": 9, "minute": 42}
